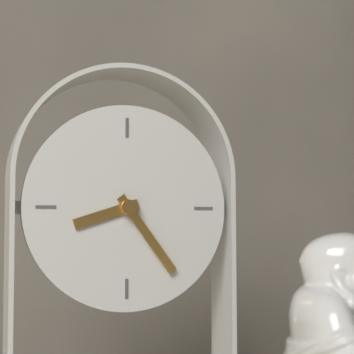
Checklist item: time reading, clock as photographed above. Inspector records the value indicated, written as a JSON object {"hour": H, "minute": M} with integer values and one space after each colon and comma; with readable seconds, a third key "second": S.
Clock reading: {"hour": 8, "minute": 24}
